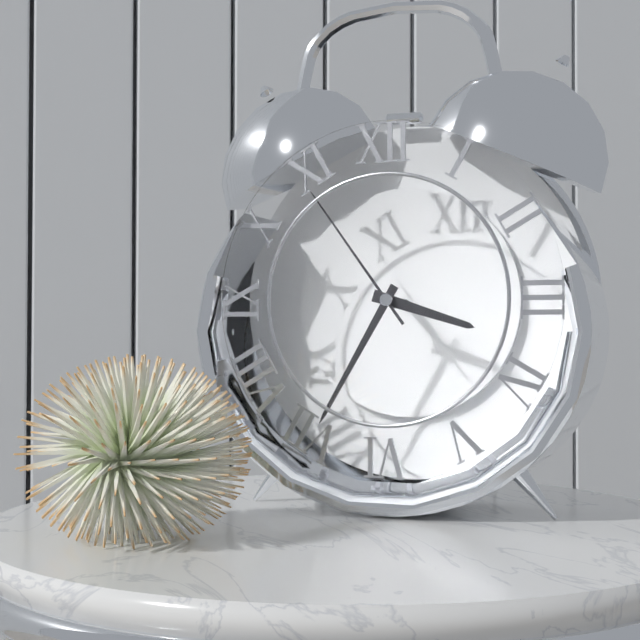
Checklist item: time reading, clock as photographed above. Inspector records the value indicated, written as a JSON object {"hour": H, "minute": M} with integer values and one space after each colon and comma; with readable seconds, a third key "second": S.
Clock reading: {"hour": 3, "minute": 35, "second": 54}
